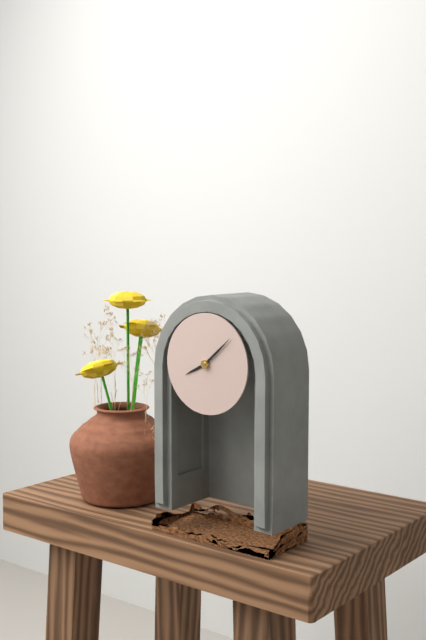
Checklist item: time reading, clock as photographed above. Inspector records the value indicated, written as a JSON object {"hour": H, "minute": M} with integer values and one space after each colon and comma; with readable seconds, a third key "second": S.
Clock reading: {"hour": 8, "minute": 8}
